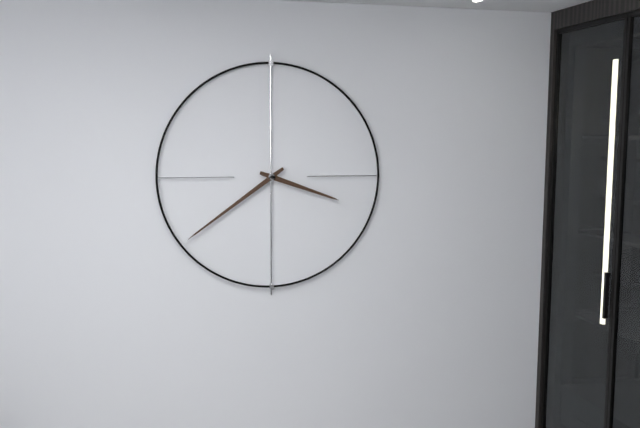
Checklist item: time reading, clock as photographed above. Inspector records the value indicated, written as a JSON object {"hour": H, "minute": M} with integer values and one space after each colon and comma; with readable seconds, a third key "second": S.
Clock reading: {"hour": 3, "minute": 39}
